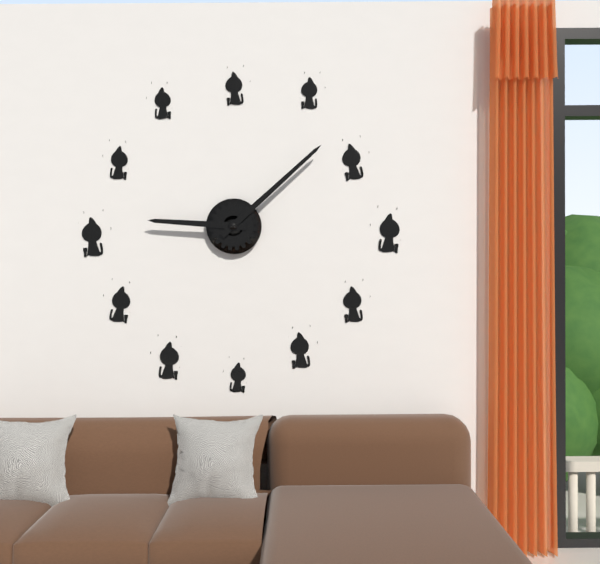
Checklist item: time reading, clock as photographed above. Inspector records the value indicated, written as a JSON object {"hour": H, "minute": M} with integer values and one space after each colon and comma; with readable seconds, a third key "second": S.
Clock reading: {"hour": 9, "minute": 8}
